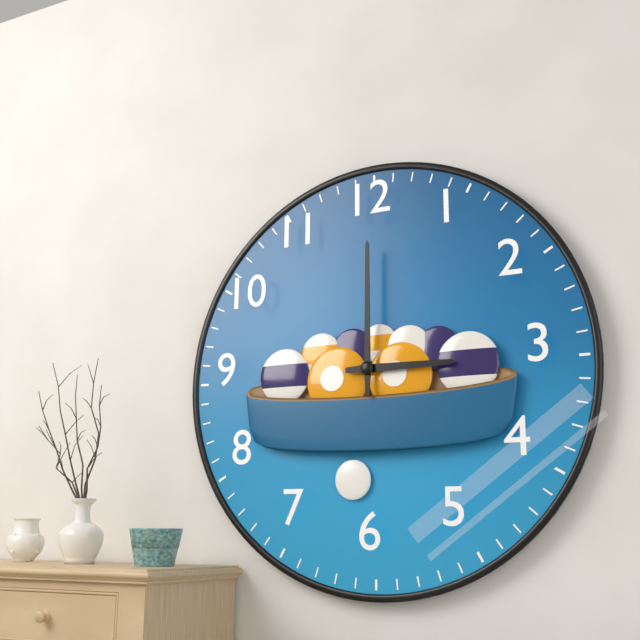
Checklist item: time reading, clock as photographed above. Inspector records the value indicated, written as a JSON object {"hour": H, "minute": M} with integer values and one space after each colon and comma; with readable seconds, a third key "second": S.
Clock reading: {"hour": 3, "minute": 0}
